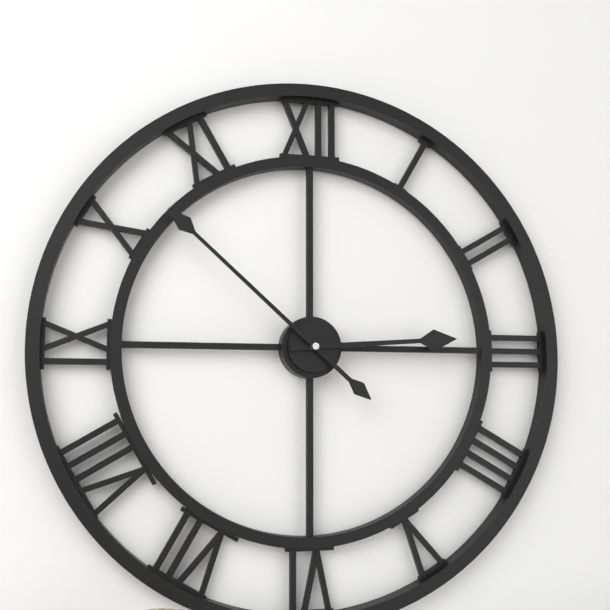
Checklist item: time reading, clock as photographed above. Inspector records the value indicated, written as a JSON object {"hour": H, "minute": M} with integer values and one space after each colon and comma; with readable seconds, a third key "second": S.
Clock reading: {"hour": 2, "minute": 52}
